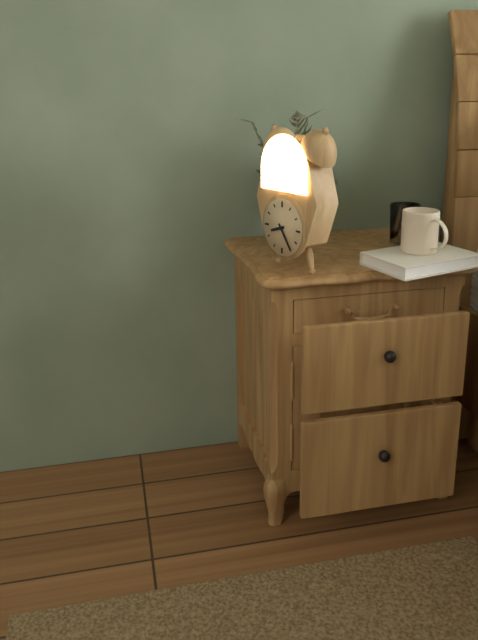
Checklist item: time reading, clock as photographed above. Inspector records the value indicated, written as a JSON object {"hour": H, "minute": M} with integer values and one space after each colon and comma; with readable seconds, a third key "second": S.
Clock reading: {"hour": 8, "minute": 24}
